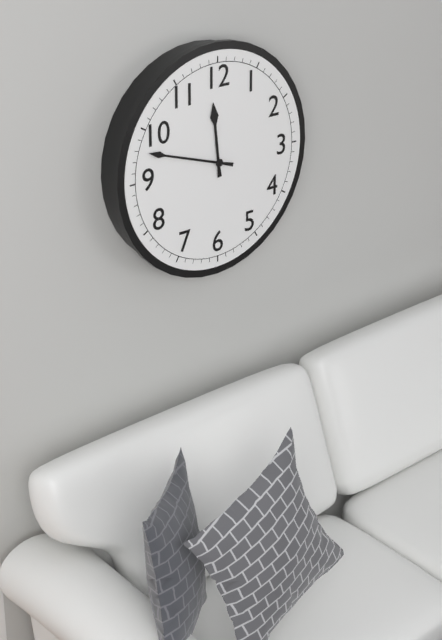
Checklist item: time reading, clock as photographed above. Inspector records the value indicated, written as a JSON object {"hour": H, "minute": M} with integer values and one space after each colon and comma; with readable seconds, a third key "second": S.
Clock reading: {"hour": 11, "minute": 48}
